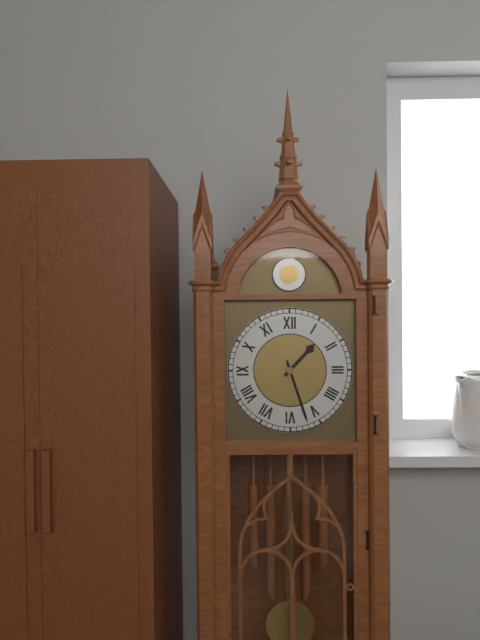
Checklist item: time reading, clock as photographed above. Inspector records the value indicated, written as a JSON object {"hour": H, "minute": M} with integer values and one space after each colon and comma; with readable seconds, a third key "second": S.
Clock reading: {"hour": 1, "minute": 27}
